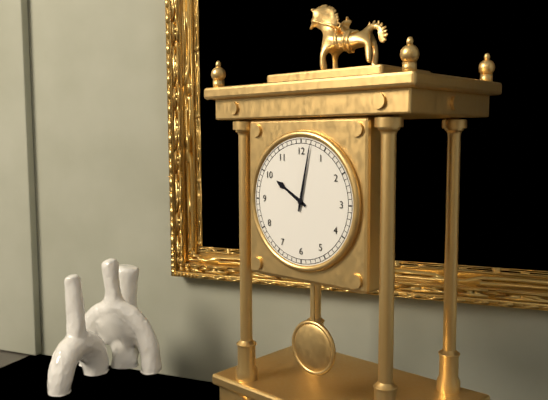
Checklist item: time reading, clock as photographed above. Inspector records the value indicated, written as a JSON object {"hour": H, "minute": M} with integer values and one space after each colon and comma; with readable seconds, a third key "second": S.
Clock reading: {"hour": 10, "minute": 2}
